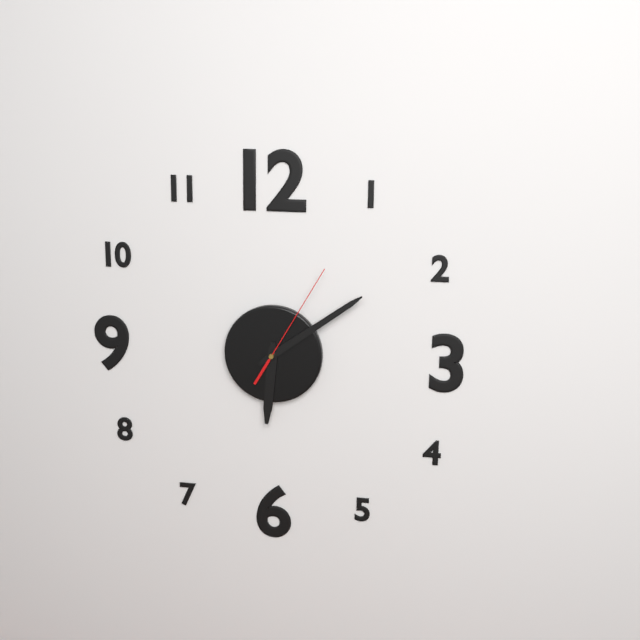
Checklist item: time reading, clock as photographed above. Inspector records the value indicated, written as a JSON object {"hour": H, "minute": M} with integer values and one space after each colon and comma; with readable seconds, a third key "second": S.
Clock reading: {"hour": 6, "minute": 9, "second": 5}
